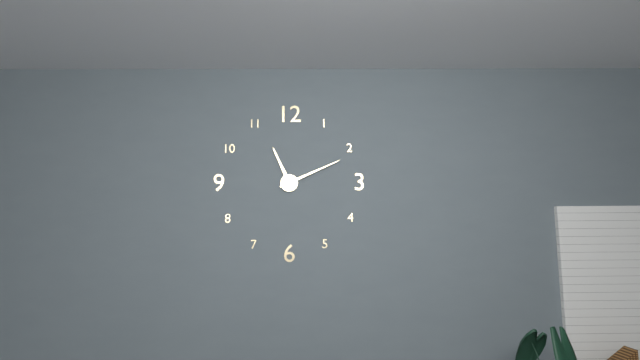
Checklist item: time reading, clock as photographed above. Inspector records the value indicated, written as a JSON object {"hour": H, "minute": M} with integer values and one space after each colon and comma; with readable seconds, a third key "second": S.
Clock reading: {"hour": 11, "minute": 11}
